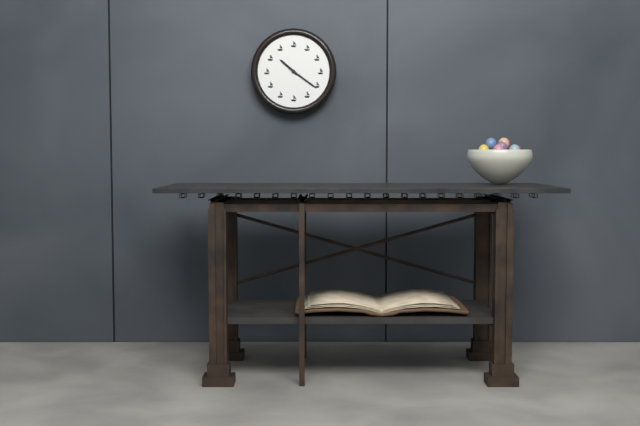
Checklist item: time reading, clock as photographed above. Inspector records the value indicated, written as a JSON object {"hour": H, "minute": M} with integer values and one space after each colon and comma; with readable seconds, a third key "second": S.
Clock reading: {"hour": 10, "minute": 21}
